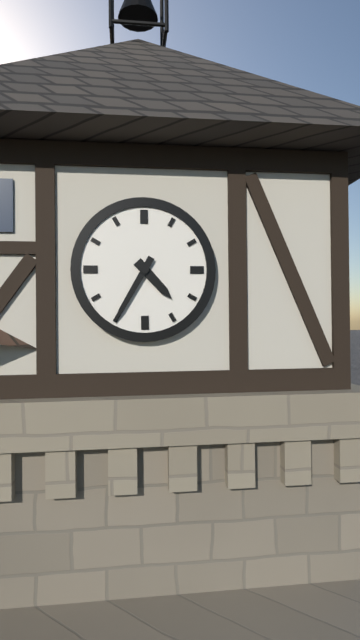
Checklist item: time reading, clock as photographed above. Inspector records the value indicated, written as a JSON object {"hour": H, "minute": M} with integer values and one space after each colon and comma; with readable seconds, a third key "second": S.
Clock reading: {"hour": 4, "minute": 35}
